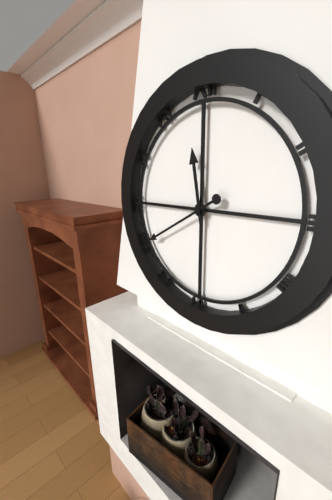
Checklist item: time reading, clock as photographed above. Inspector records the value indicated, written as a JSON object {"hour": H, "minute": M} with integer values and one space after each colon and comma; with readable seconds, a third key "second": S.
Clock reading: {"hour": 11, "minute": 40}
